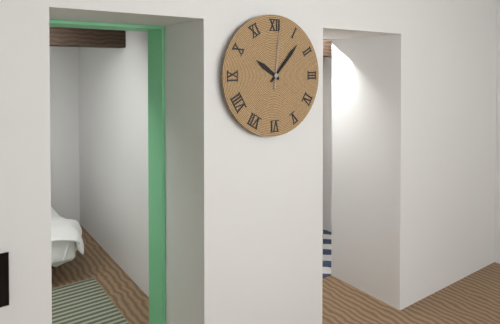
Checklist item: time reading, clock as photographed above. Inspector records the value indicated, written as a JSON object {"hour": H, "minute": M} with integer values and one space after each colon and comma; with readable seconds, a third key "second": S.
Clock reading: {"hour": 10, "minute": 7, "second": 1}
